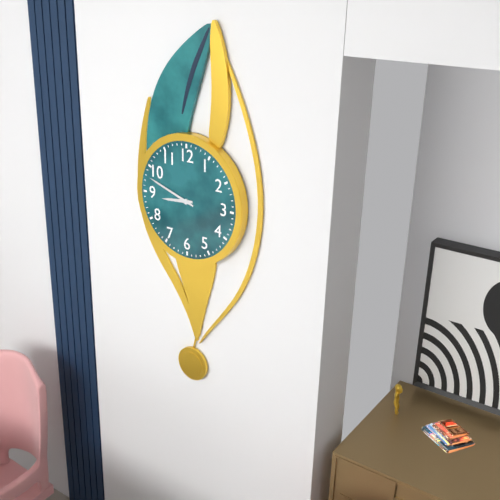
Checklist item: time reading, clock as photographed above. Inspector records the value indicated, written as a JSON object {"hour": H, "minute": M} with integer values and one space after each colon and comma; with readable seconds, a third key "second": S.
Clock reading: {"hour": 8, "minute": 48}
